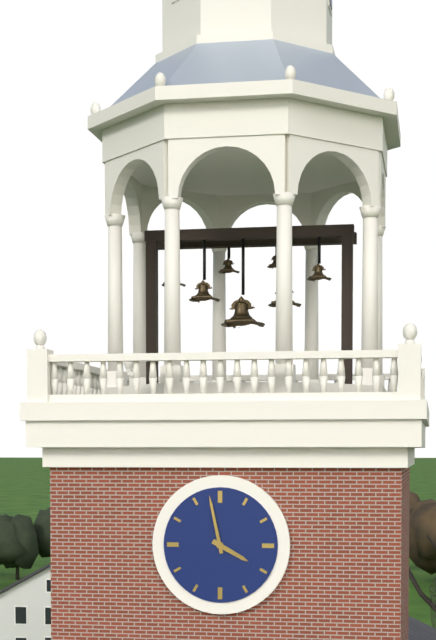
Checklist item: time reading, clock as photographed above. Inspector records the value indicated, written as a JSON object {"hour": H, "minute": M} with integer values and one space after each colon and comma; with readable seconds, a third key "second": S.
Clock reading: {"hour": 3, "minute": 58}
